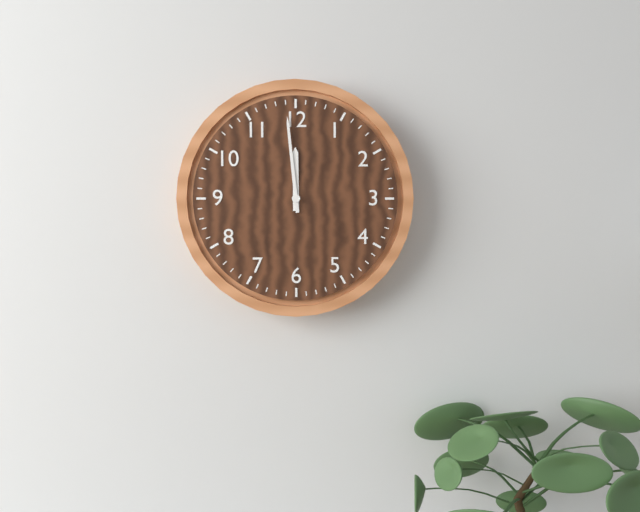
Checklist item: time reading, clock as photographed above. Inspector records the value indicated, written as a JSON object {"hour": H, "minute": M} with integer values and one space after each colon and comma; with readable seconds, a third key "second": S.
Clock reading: {"hour": 11, "minute": 59}
